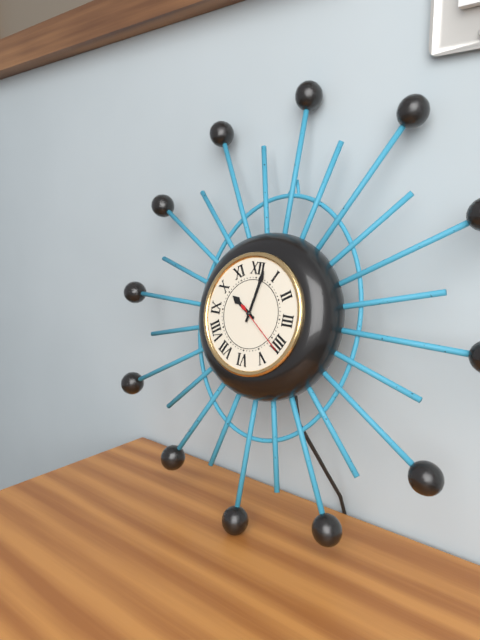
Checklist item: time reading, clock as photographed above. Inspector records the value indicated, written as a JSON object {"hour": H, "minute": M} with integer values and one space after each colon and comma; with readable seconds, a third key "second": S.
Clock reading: {"hour": 10, "minute": 2, "second": 21}
